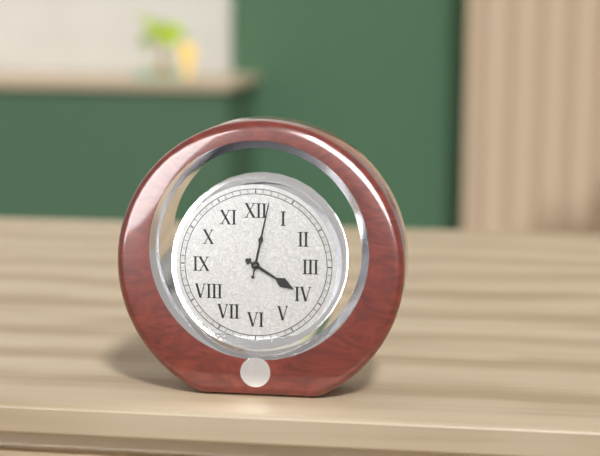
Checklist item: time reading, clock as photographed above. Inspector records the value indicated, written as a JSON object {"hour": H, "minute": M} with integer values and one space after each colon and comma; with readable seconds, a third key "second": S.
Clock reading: {"hour": 4, "minute": 2}
